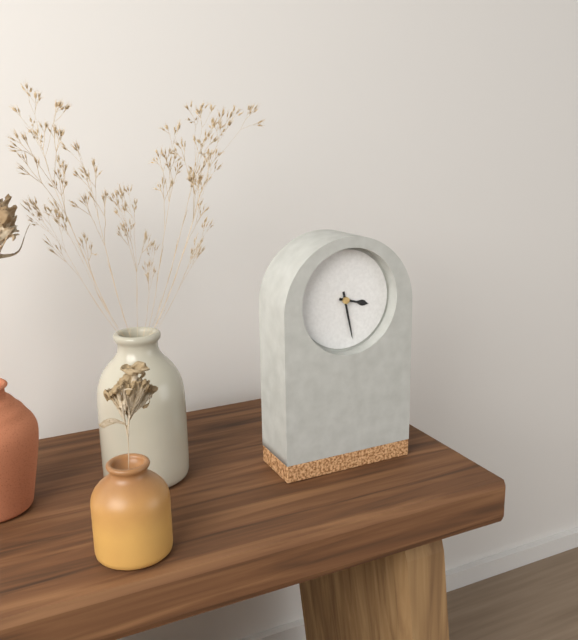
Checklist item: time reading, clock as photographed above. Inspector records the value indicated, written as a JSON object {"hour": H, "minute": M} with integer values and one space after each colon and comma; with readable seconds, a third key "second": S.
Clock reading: {"hour": 3, "minute": 28}
